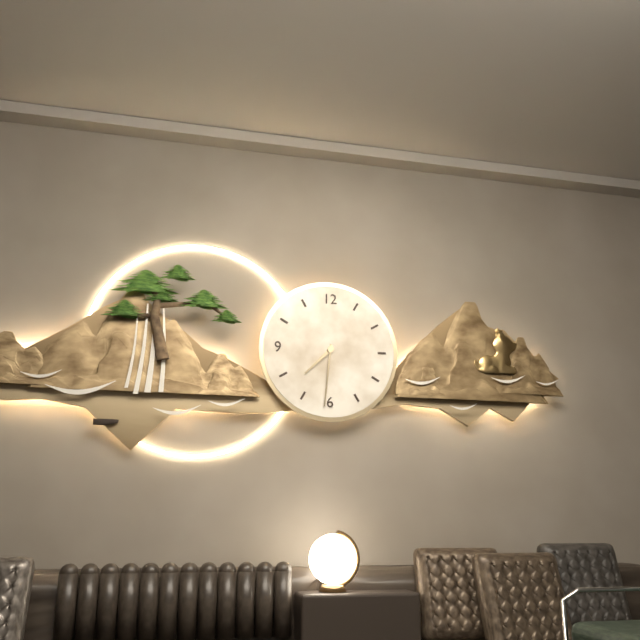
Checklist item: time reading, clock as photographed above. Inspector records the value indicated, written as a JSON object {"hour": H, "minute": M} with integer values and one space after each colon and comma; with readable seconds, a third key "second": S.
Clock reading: {"hour": 7, "minute": 31}
